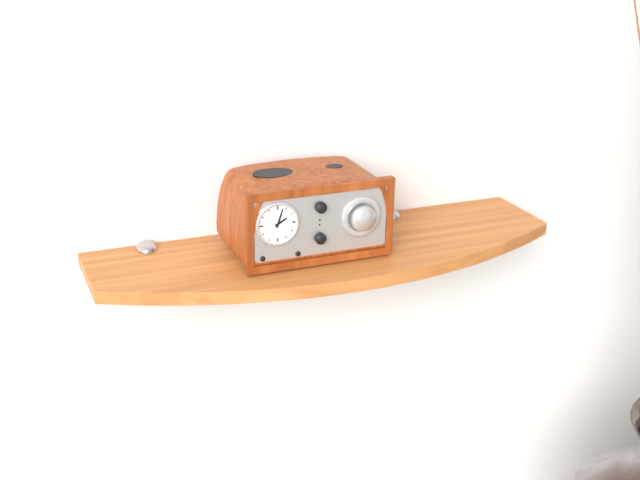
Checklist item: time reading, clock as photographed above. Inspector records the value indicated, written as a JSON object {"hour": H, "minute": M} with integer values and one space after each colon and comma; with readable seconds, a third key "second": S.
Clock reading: {"hour": 2, "minute": 3}
